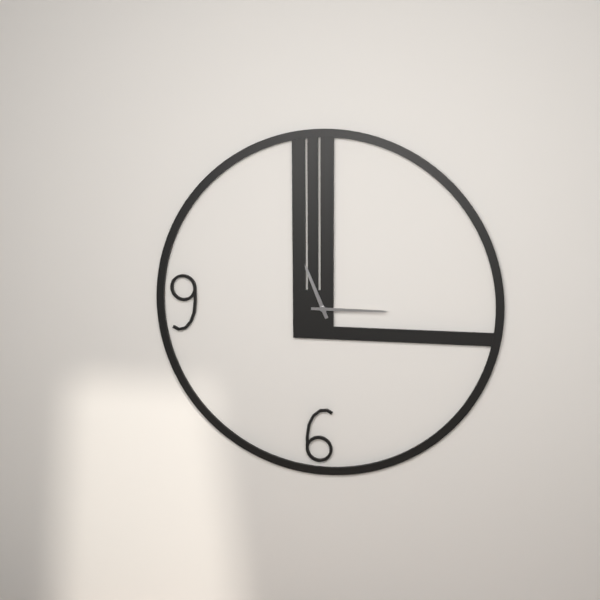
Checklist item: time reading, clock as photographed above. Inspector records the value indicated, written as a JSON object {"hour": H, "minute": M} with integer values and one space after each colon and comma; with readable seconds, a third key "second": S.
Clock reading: {"hour": 11, "minute": 15}
